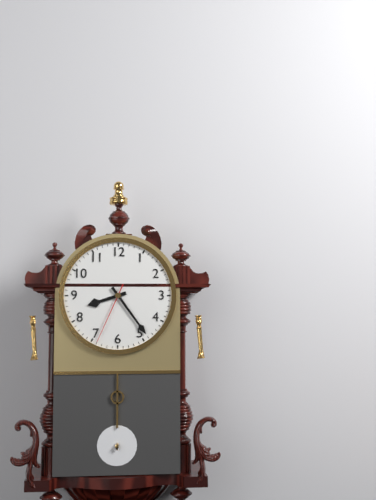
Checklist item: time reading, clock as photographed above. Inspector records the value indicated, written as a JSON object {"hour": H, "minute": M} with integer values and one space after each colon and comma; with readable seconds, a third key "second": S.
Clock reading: {"hour": 8, "minute": 24, "second": 34}
